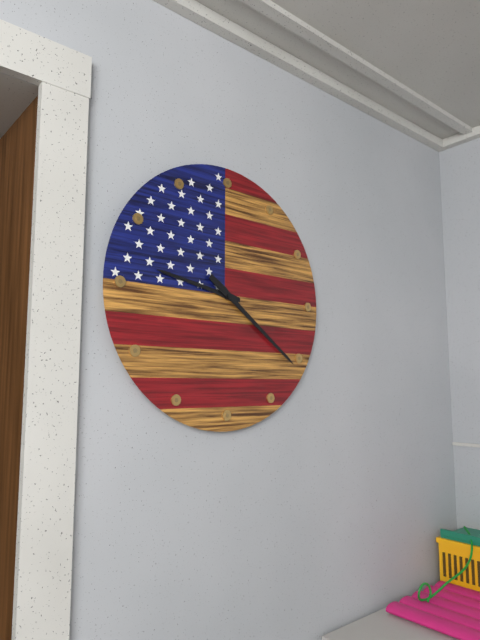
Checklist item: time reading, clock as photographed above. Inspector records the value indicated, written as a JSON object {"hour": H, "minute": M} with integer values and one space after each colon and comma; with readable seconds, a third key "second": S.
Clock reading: {"hour": 9, "minute": 21}
